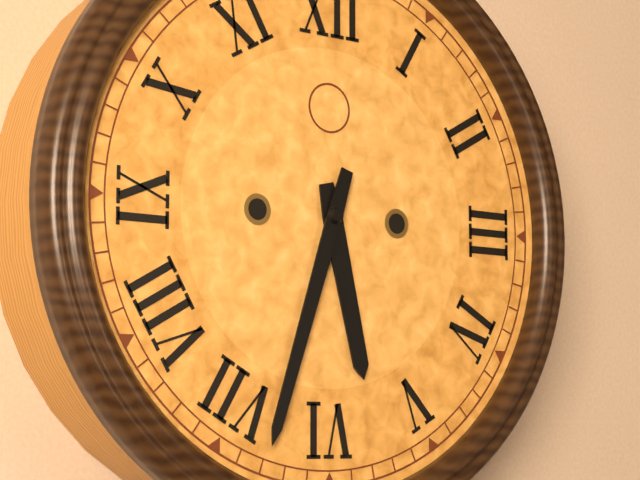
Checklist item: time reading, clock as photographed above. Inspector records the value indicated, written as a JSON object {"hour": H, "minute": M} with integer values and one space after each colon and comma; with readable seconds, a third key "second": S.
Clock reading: {"hour": 5, "minute": 33}
